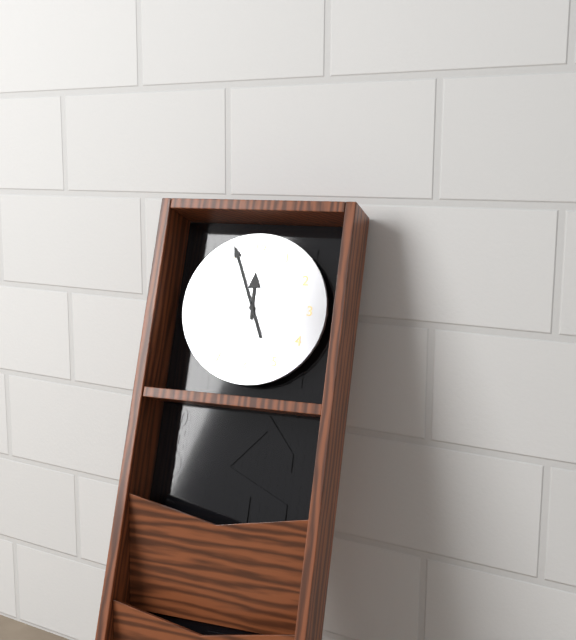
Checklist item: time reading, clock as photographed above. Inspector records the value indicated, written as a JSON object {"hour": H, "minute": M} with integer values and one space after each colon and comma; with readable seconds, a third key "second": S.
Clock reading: {"hour": 11, "minute": 56}
